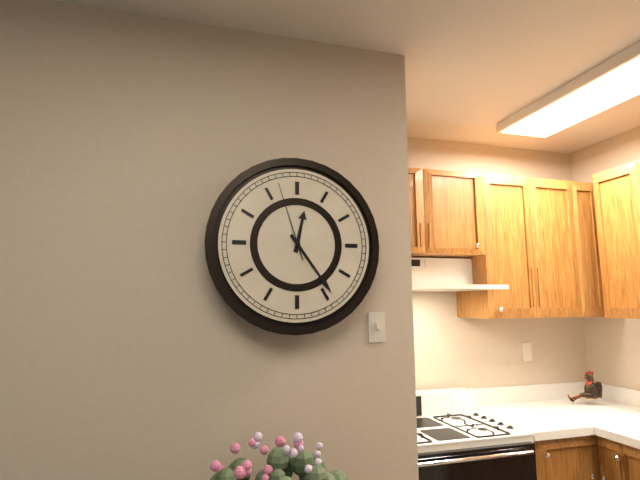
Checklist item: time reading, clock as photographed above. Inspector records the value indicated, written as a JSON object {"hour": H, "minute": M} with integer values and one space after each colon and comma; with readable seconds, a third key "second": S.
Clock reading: {"hour": 12, "minute": 24, "second": 57}
